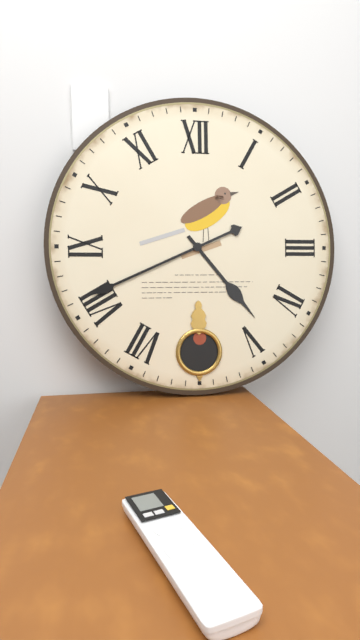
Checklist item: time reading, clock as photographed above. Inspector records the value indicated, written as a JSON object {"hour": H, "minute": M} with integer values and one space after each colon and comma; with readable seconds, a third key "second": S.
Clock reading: {"hour": 4, "minute": 41}
